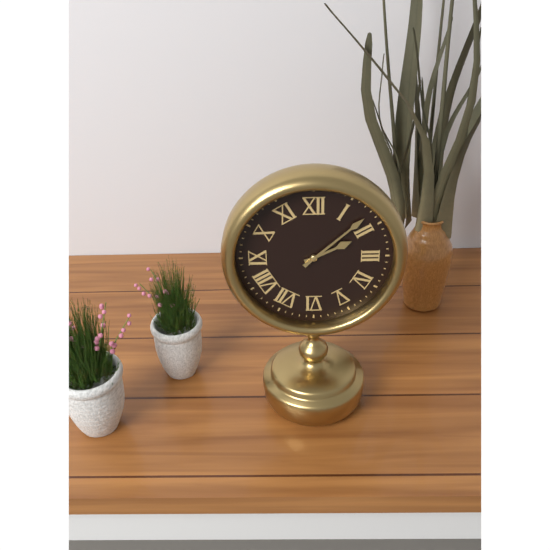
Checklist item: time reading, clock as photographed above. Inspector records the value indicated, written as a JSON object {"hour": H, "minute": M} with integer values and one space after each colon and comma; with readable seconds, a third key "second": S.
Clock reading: {"hour": 2, "minute": 8}
